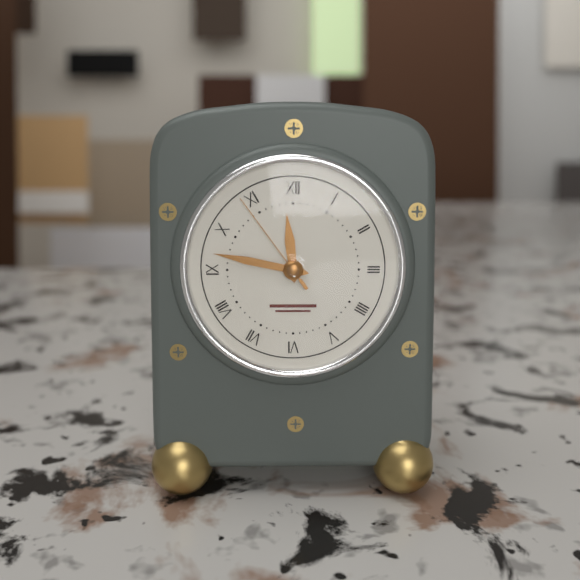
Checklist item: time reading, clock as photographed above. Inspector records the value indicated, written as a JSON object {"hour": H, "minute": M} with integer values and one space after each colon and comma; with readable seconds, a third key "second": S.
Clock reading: {"hour": 11, "minute": 47, "second": 54}
